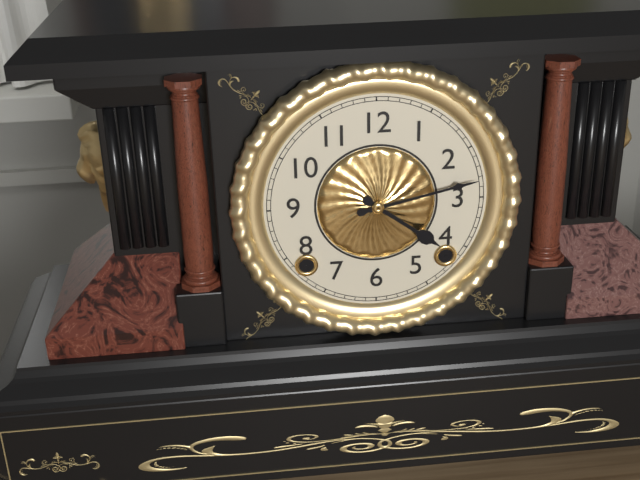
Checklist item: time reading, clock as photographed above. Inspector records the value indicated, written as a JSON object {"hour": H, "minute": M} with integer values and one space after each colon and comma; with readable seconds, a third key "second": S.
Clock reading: {"hour": 4, "minute": 13}
